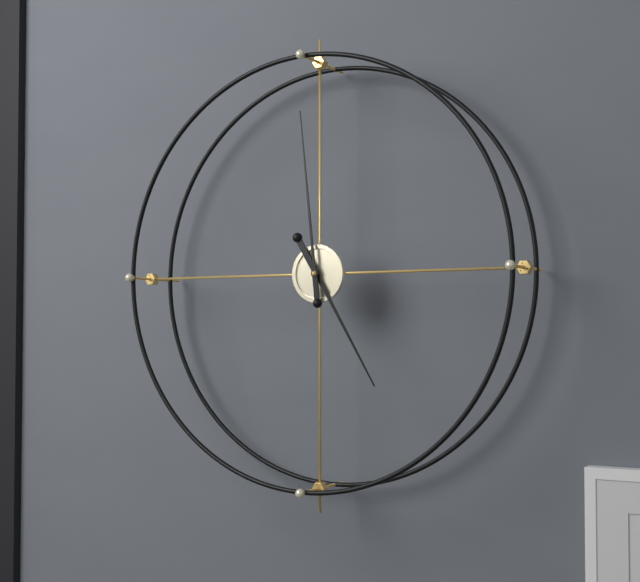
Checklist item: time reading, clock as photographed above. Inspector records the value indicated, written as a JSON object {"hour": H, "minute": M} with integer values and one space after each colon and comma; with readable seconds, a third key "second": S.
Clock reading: {"hour": 4, "minute": 59}
